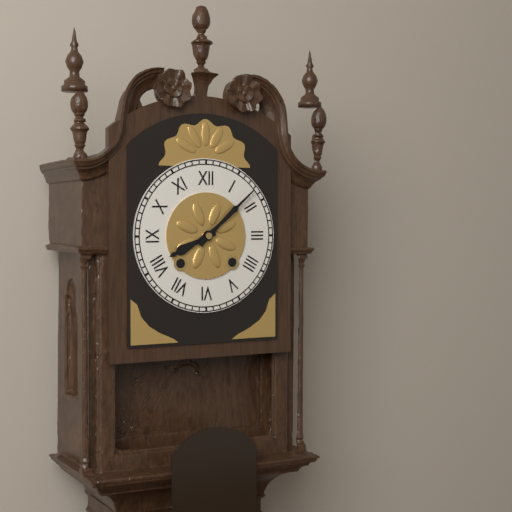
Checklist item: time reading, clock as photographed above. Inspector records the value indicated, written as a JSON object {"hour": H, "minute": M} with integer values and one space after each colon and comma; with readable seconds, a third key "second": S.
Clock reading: {"hour": 8, "minute": 8}
